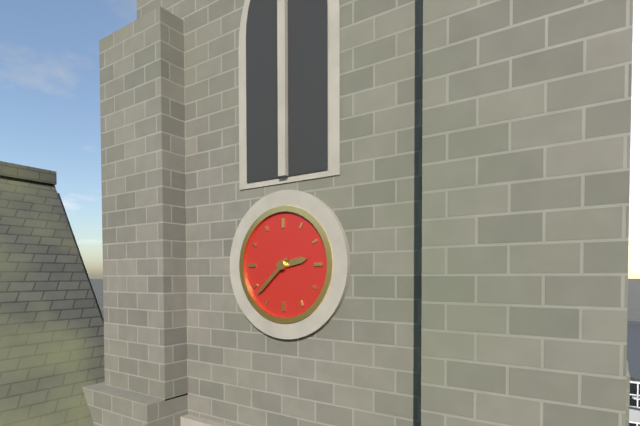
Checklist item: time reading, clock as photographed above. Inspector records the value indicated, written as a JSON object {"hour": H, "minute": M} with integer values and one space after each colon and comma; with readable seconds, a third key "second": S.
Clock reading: {"hour": 2, "minute": 38}
